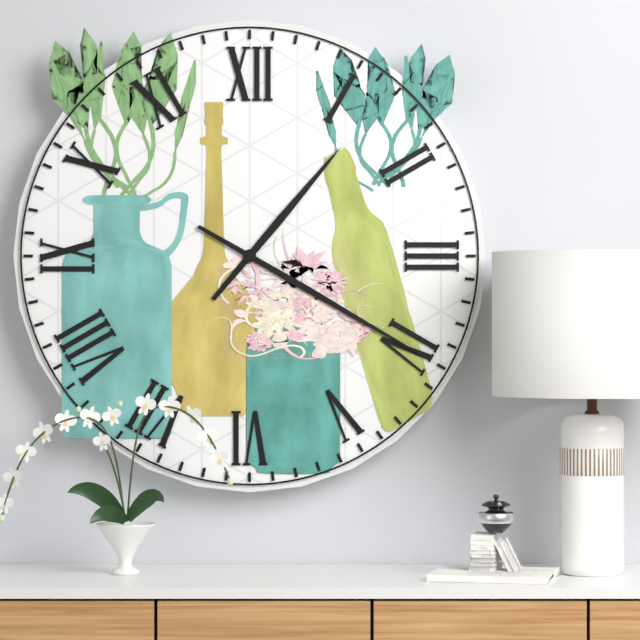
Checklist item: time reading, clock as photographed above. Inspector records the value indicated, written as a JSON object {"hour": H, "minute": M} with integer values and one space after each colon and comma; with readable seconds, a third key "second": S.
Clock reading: {"hour": 1, "minute": 20}
